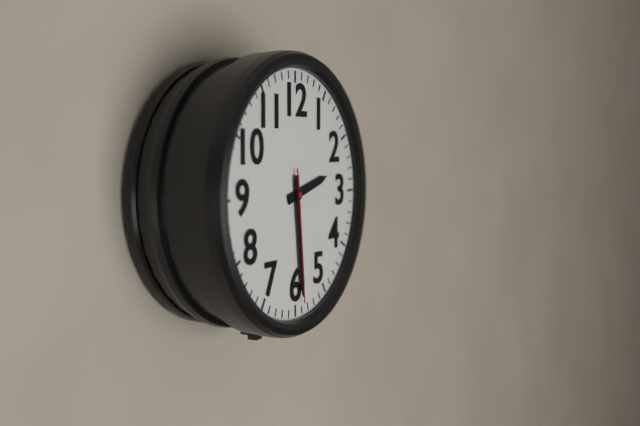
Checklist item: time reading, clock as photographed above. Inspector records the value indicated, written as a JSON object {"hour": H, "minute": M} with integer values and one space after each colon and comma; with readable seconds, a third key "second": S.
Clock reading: {"hour": 2, "minute": 29, "second": 29}
